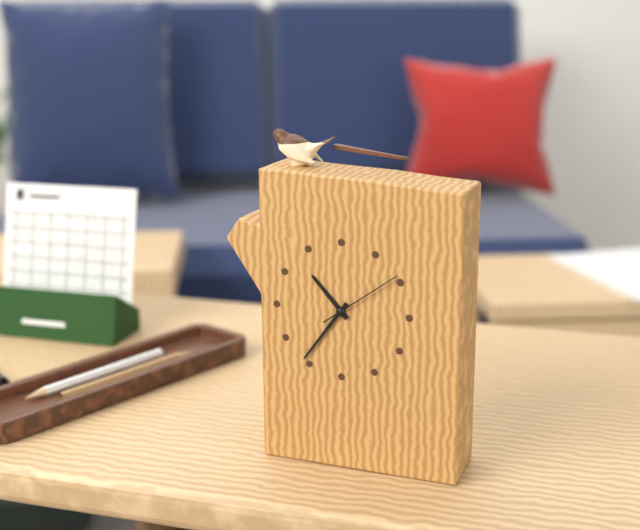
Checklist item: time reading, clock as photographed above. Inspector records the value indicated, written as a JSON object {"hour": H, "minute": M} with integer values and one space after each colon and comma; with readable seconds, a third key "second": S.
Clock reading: {"hour": 10, "minute": 36, "second": 9}
